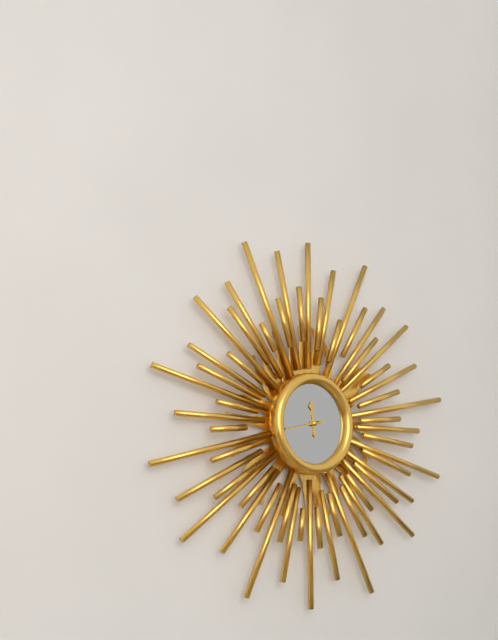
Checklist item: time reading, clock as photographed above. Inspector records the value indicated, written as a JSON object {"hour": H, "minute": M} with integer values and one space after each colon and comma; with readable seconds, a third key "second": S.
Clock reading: {"hour": 11, "minute": 43}
